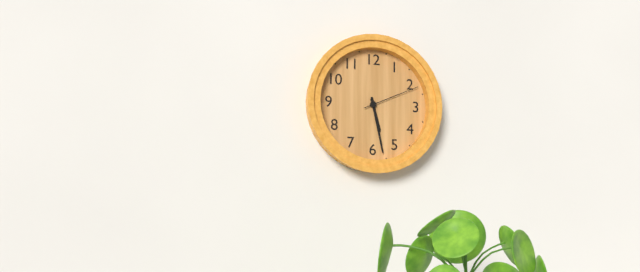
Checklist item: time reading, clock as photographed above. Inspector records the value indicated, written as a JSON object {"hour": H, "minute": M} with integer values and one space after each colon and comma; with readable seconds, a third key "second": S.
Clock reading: {"hour": 5, "minute": 28, "second": 11}
